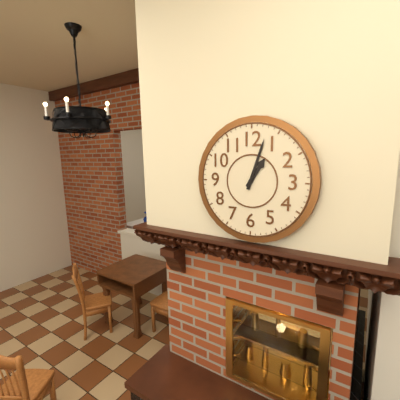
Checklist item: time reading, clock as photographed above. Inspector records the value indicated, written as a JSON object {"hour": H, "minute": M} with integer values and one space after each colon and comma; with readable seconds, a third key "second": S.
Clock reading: {"hour": 1, "minute": 3}
